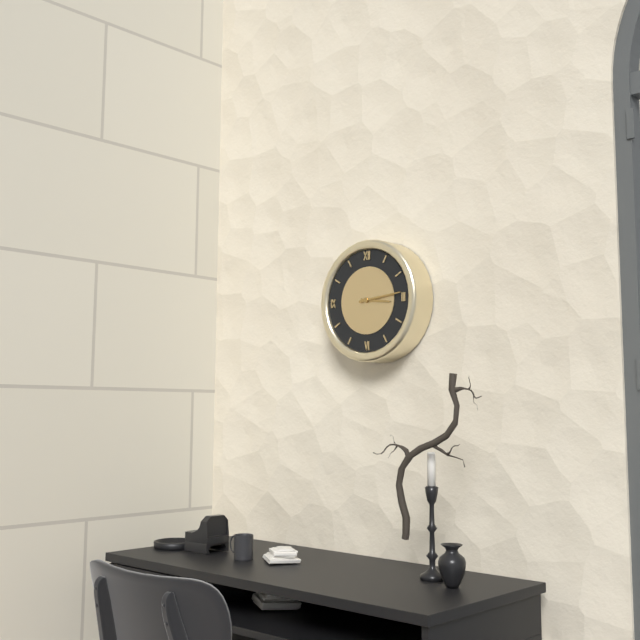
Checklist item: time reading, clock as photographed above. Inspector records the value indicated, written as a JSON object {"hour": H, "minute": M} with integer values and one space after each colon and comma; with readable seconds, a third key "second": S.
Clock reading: {"hour": 3, "minute": 14}
